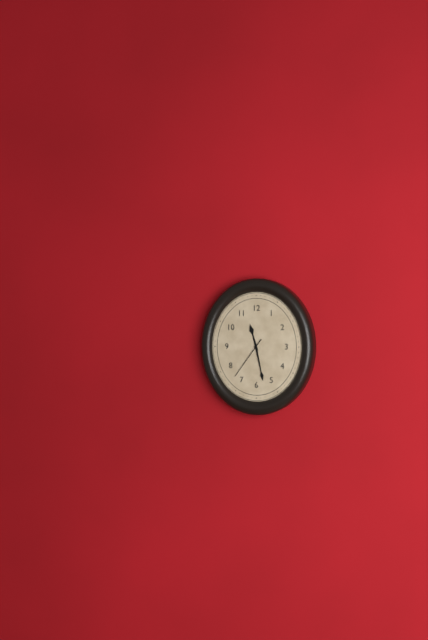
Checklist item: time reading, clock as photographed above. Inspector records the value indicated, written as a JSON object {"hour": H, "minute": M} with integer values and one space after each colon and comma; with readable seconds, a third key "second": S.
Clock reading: {"hour": 11, "minute": 28}
